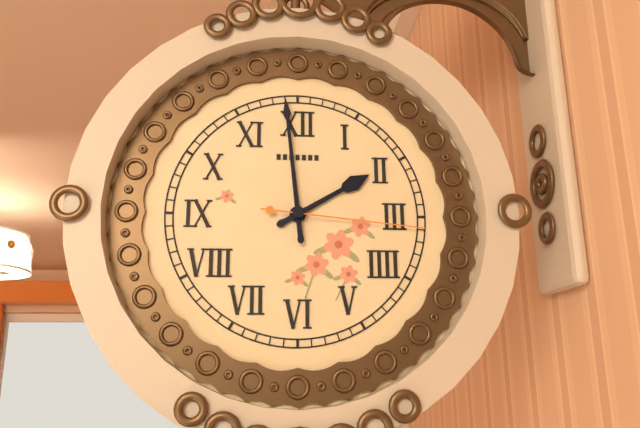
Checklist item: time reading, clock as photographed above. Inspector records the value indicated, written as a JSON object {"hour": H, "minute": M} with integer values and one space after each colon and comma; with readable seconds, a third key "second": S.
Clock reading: {"hour": 1, "minute": 59, "second": 16}
